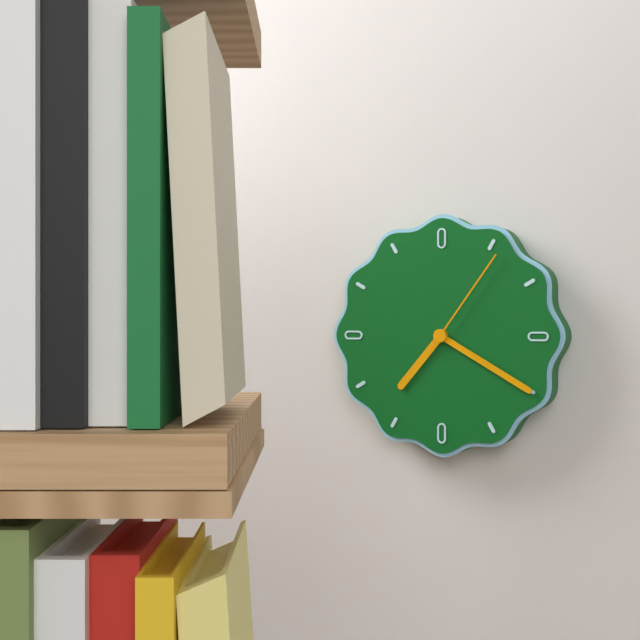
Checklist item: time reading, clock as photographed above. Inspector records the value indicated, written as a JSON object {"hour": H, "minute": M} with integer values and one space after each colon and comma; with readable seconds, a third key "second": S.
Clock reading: {"hour": 7, "minute": 20, "second": 6}
